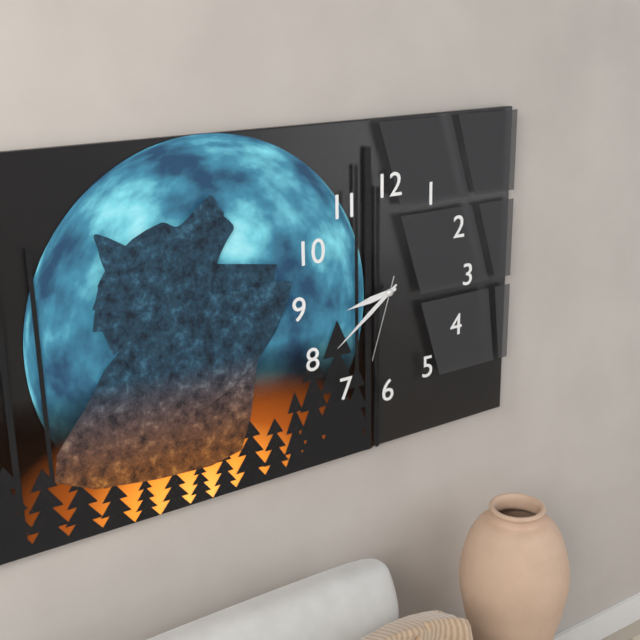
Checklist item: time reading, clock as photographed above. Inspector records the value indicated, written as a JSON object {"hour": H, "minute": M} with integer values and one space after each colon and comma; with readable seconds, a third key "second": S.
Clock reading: {"hour": 8, "minute": 39, "second": 33}
